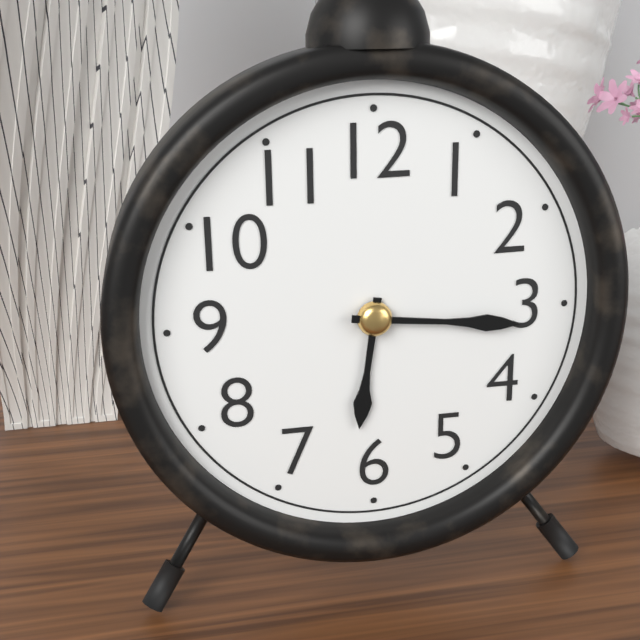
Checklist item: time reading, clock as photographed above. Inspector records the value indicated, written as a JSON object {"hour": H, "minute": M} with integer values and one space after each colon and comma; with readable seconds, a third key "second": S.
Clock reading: {"hour": 6, "minute": 16}
